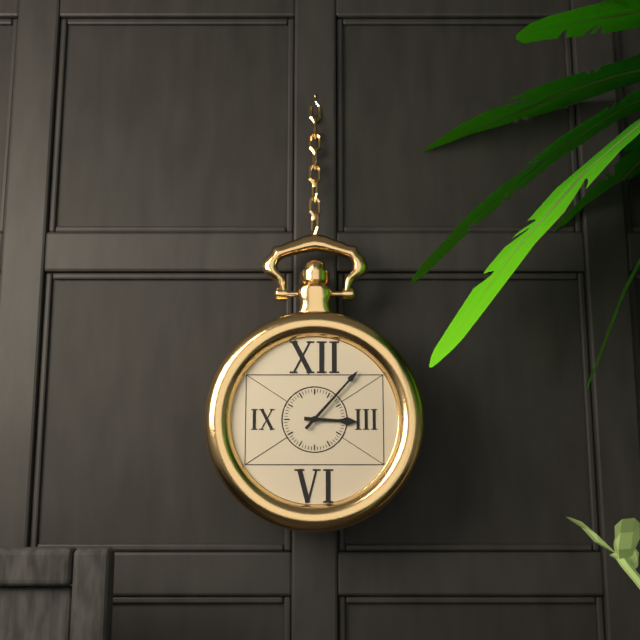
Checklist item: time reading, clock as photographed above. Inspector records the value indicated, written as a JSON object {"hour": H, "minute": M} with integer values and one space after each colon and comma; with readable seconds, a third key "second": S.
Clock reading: {"hour": 3, "minute": 7}
